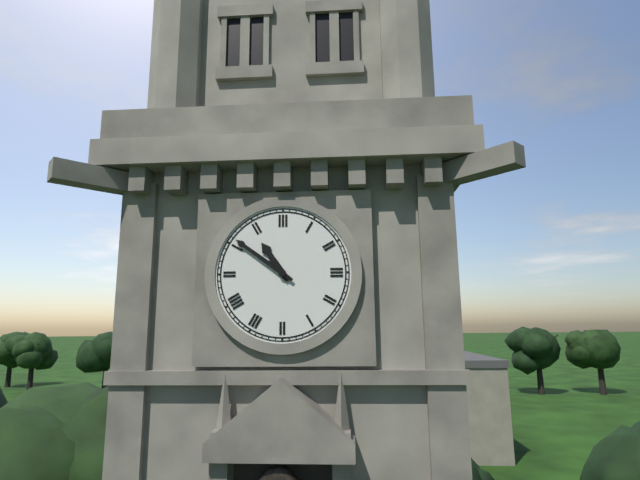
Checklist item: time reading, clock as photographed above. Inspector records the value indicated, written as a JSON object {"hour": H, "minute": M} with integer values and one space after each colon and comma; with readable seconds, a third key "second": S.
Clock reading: {"hour": 10, "minute": 51}
